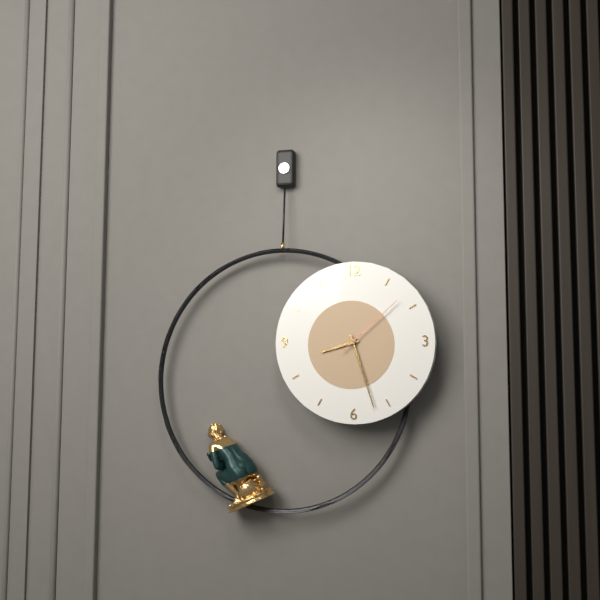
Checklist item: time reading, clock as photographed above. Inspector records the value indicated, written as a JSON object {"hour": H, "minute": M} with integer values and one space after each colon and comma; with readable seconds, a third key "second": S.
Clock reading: {"hour": 8, "minute": 27, "second": 8}
